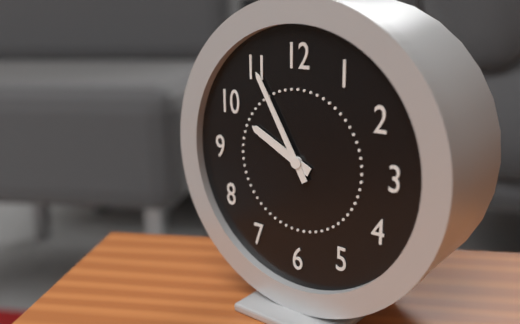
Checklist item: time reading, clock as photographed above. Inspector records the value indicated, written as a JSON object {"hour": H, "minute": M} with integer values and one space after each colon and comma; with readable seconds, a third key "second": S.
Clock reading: {"hour": 9, "minute": 55}
